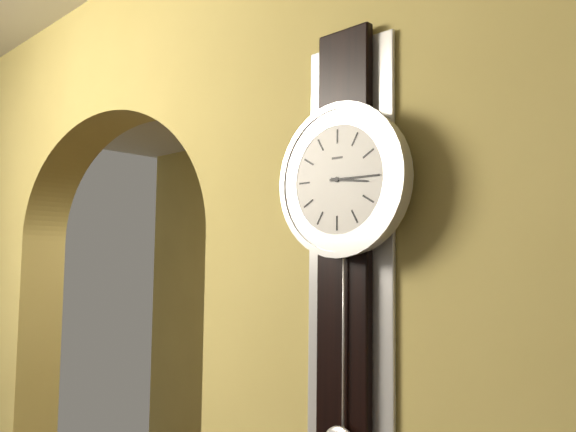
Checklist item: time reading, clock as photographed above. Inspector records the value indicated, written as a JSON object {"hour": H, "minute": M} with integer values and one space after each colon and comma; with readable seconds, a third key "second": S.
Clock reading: {"hour": 3, "minute": 15}
